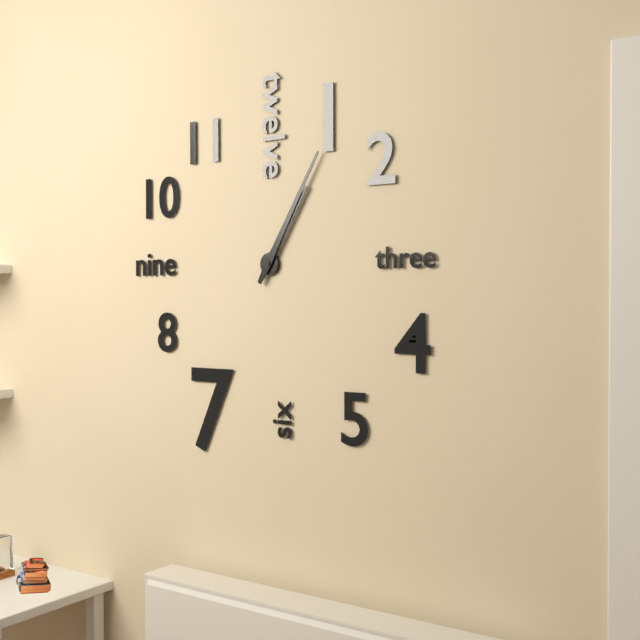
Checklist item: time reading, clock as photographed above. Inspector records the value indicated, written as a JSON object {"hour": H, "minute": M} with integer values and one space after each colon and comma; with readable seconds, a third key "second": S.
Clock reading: {"hour": 1, "minute": 5}
